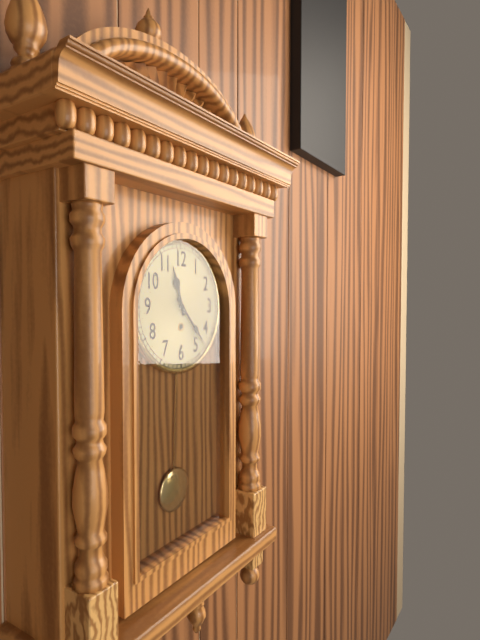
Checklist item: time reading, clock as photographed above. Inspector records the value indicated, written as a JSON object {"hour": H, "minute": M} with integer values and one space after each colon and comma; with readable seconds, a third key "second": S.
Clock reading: {"hour": 11, "minute": 23}
